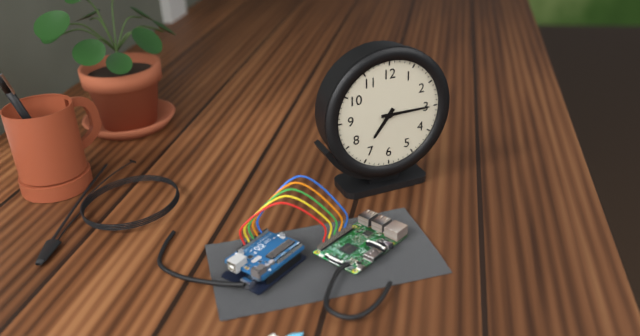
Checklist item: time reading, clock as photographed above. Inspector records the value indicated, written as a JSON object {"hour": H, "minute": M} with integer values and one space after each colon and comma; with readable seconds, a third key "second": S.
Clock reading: {"hour": 7, "minute": 15}
